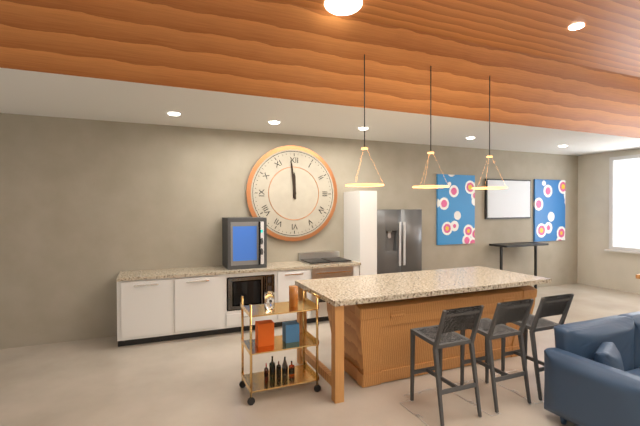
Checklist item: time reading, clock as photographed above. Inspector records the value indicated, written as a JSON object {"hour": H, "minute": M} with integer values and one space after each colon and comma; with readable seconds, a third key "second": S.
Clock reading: {"hour": 11, "minute": 59}
